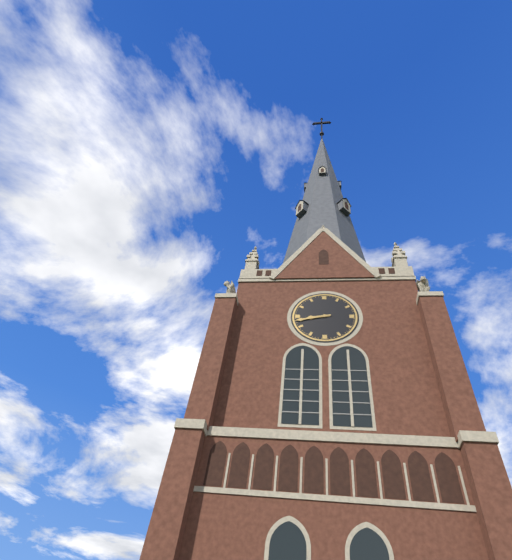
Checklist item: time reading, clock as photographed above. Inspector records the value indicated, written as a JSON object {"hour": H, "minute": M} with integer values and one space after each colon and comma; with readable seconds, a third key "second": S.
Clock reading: {"hour": 8, "minute": 43}
